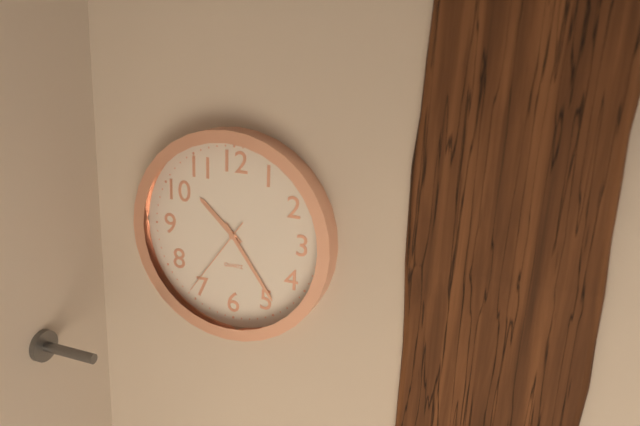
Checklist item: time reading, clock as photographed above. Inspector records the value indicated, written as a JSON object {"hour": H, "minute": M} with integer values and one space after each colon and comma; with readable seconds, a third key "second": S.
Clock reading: {"hour": 10, "minute": 24, "second": 36}
